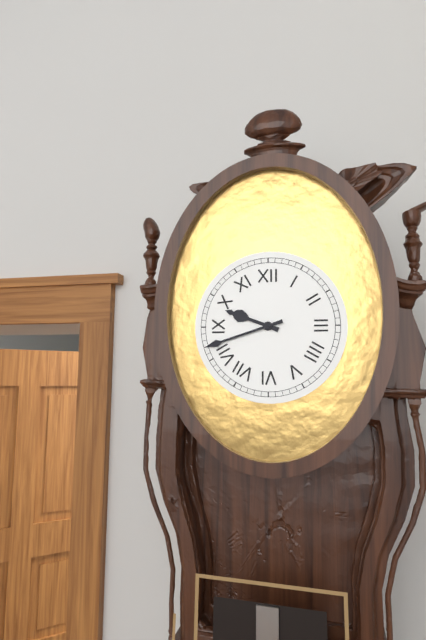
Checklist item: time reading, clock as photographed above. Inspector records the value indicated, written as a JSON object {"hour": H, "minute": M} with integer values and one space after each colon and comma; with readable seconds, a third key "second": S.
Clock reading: {"hour": 9, "minute": 42}
